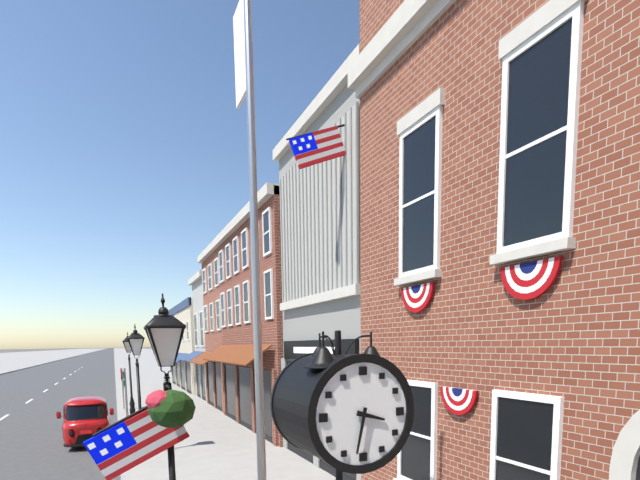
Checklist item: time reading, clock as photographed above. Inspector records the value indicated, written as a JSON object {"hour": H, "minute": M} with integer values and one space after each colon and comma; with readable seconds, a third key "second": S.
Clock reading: {"hour": 3, "minute": 32}
